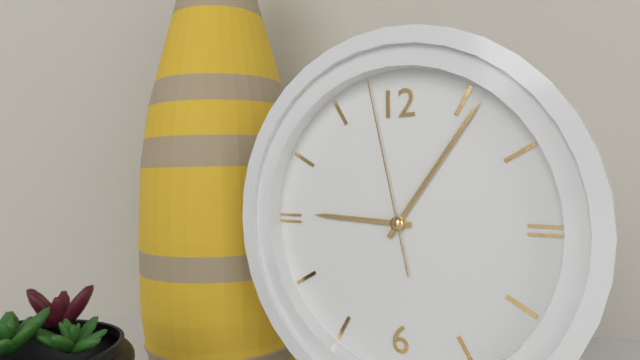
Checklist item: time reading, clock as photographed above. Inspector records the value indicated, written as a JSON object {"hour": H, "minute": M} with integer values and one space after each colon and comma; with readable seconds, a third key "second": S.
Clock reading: {"hour": 9, "minute": 6, "second": 58}
